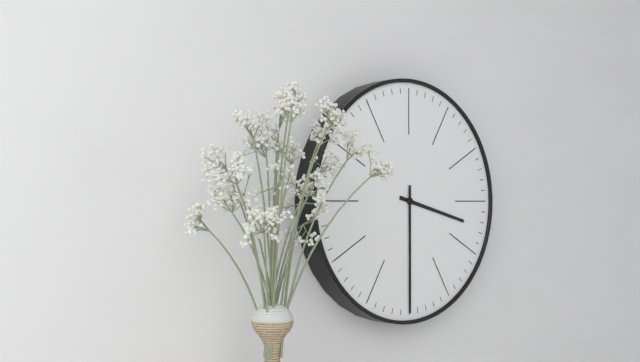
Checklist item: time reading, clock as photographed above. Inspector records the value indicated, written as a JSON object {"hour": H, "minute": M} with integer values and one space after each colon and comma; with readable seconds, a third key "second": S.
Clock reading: {"hour": 3, "minute": 30}
